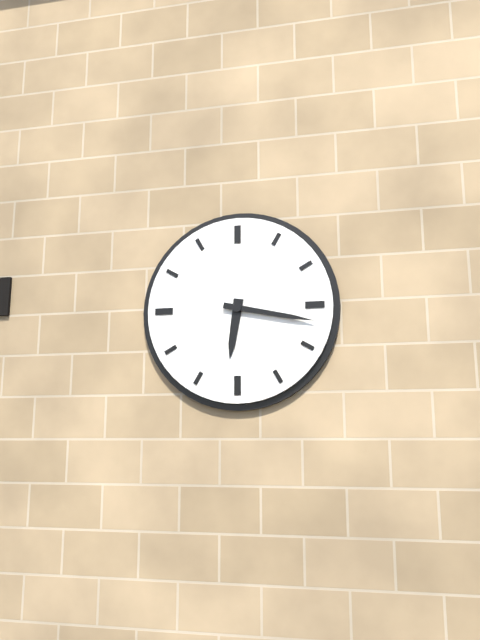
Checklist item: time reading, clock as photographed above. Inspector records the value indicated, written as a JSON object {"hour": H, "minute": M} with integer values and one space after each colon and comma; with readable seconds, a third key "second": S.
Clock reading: {"hour": 6, "minute": 17}
